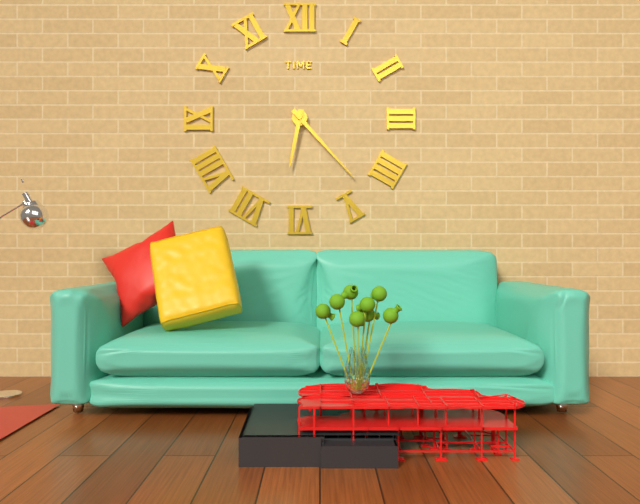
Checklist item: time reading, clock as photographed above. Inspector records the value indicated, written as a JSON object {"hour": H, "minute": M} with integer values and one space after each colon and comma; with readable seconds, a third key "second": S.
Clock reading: {"hour": 6, "minute": 23}
